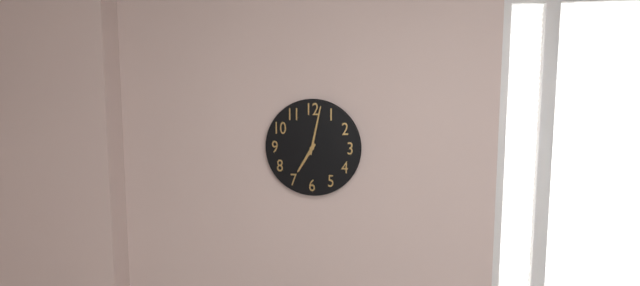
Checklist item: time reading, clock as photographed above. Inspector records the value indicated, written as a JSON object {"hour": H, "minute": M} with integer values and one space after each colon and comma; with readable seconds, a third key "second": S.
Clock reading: {"hour": 7, "minute": 2}
